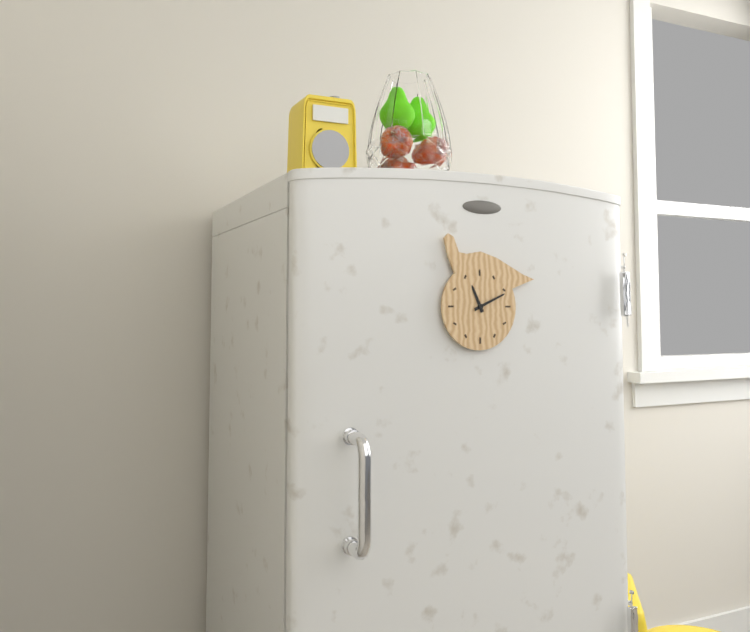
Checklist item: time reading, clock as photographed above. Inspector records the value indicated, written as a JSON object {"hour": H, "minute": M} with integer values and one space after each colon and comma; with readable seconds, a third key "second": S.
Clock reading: {"hour": 11, "minute": 11}
